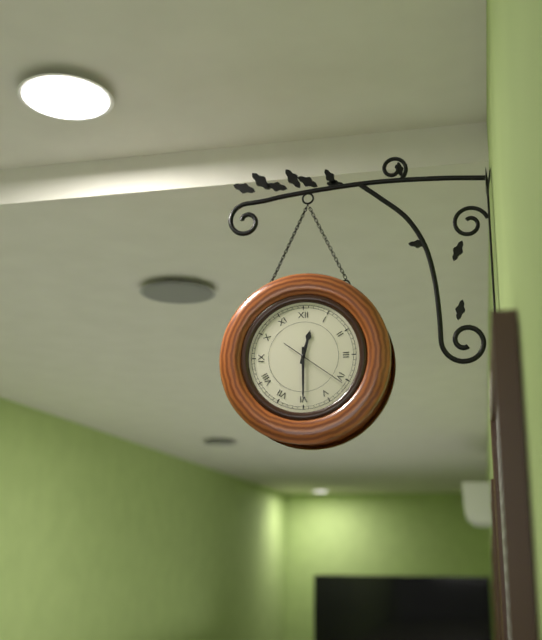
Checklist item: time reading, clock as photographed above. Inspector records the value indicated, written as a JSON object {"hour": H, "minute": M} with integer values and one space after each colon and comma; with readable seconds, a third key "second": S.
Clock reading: {"hour": 12, "minute": 30}
